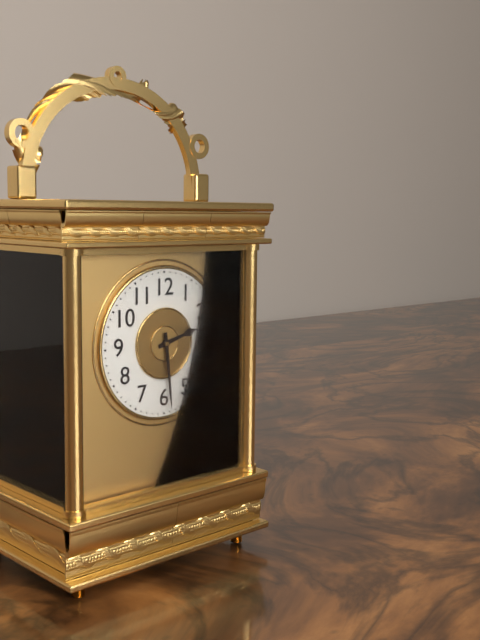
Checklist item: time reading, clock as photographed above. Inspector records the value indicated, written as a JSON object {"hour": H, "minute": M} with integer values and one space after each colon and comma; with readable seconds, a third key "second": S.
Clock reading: {"hour": 2, "minute": 29}
